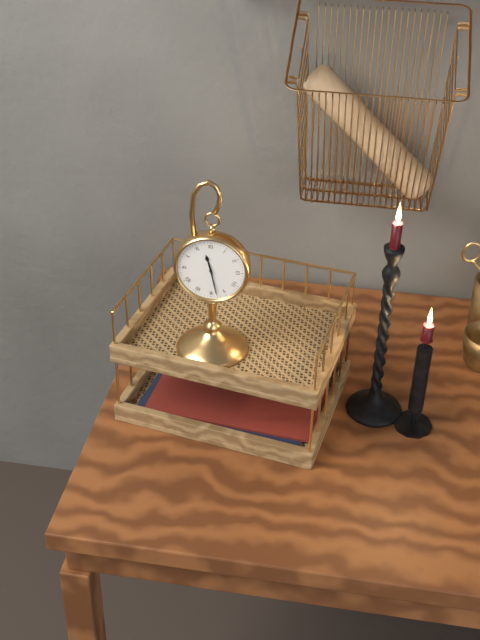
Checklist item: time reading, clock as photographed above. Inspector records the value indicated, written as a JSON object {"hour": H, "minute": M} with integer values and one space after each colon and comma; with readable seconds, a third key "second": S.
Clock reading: {"hour": 11, "minute": 28}
